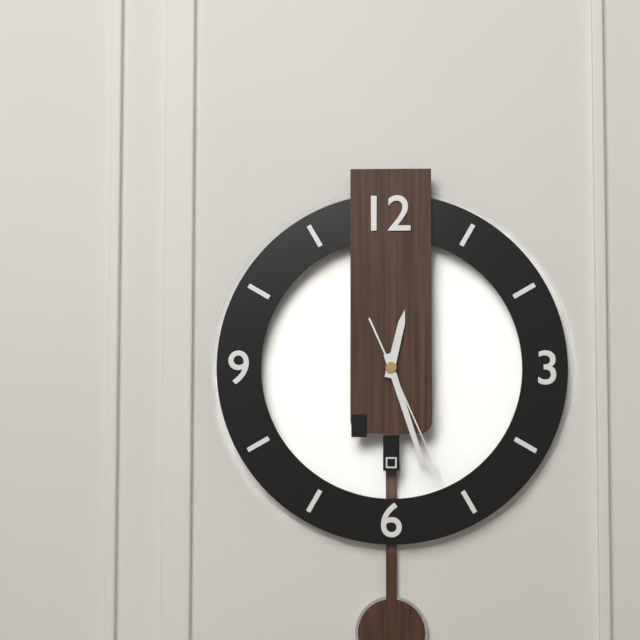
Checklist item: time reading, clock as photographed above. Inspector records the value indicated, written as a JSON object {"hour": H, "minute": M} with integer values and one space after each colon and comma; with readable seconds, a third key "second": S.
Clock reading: {"hour": 12, "minute": 27, "second": 26}
